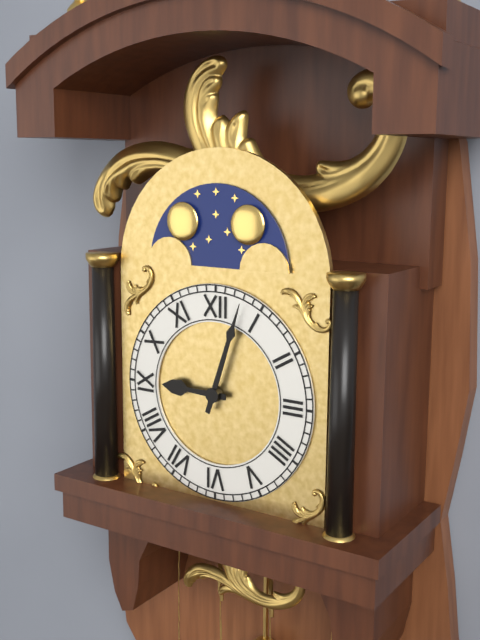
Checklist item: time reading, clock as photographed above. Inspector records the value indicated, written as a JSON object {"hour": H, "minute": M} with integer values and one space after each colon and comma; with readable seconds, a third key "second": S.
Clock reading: {"hour": 9, "minute": 3}
